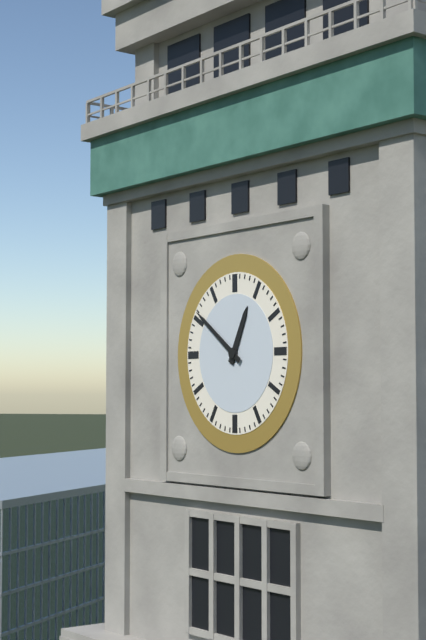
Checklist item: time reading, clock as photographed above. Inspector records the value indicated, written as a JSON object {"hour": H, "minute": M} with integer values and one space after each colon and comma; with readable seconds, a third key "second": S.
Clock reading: {"hour": 12, "minute": 51}
